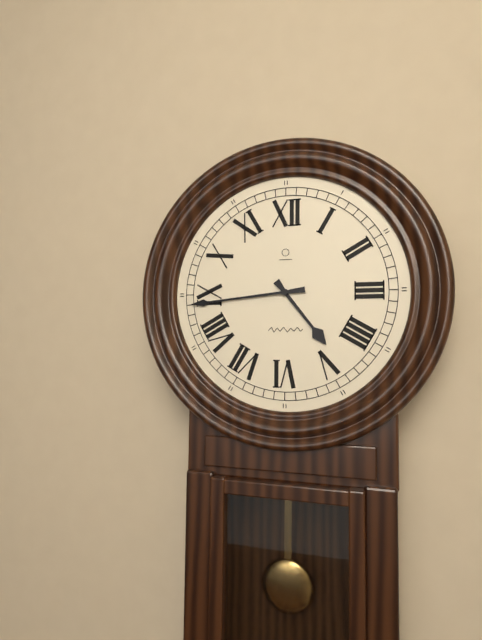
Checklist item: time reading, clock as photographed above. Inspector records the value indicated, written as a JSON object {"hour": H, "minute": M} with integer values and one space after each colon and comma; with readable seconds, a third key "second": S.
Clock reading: {"hour": 4, "minute": 44}
